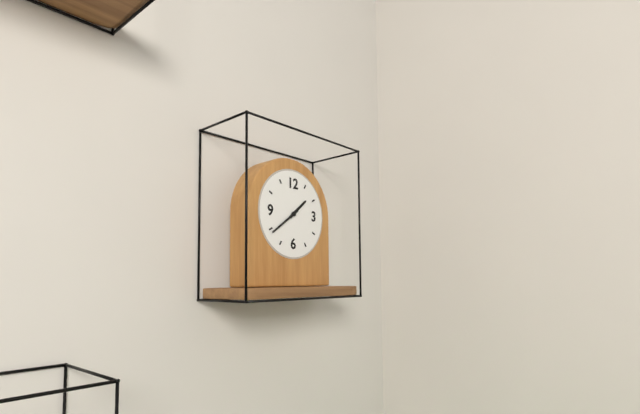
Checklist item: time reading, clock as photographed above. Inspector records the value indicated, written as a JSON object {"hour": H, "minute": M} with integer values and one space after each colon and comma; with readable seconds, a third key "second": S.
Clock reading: {"hour": 1, "minute": 39}
